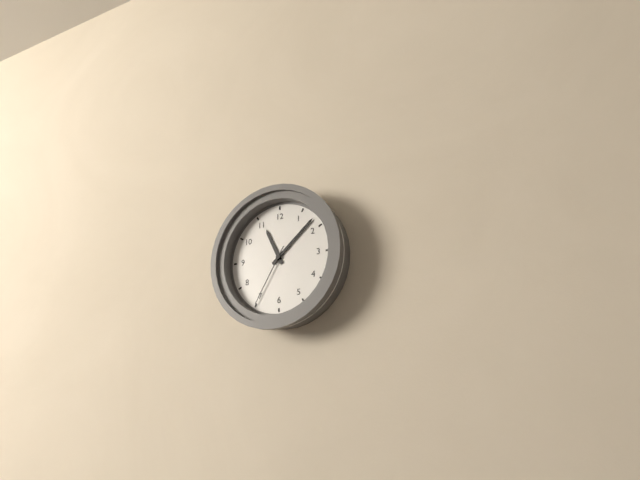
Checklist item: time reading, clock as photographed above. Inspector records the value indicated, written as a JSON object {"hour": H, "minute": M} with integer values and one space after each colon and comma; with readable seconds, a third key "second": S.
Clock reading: {"hour": 11, "minute": 8, "second": 35}
